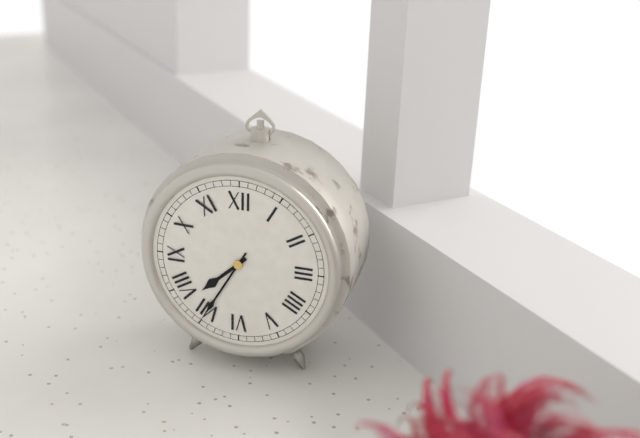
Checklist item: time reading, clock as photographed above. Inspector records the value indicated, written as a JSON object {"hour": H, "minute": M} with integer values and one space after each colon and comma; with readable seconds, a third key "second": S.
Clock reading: {"hour": 7, "minute": 35}
